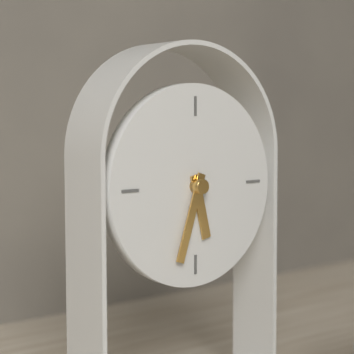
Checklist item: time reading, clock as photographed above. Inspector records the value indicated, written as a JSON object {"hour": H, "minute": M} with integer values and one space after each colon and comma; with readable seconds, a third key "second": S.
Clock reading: {"hour": 5, "minute": 33}
